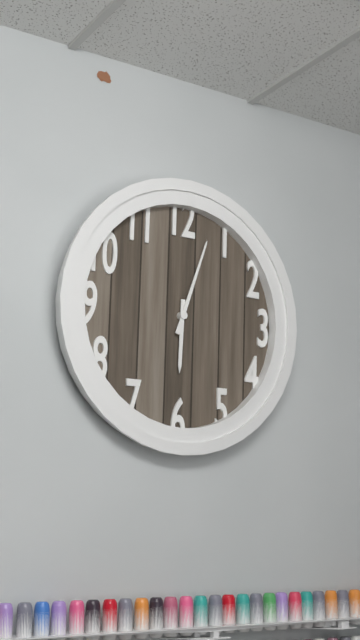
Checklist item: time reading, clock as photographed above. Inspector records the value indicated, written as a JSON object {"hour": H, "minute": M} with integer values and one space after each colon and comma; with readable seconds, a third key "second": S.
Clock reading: {"hour": 6, "minute": 3}
